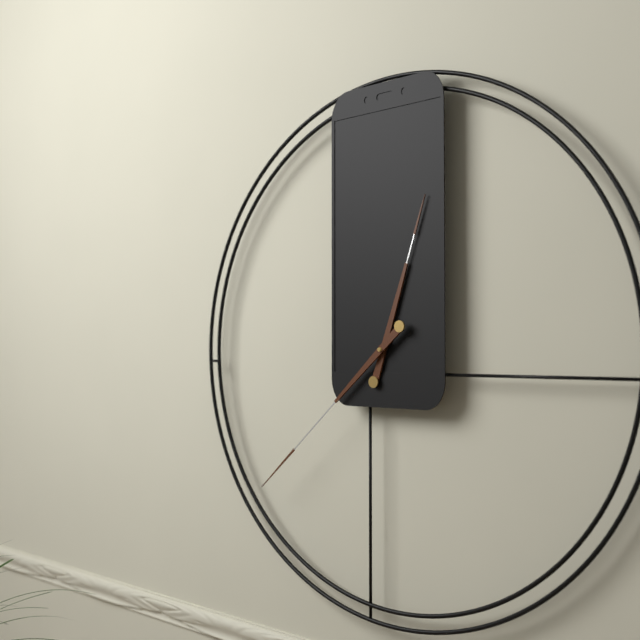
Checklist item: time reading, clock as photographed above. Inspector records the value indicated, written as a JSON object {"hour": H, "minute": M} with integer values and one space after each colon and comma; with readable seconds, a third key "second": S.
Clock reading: {"hour": 12, "minute": 38}
